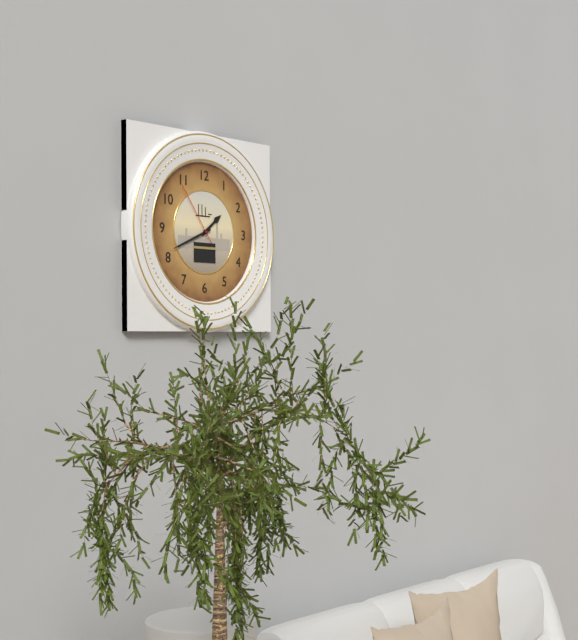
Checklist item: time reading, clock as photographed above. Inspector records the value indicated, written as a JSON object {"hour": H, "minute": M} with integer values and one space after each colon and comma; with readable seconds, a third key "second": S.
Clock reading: {"hour": 1, "minute": 41, "second": 54}
